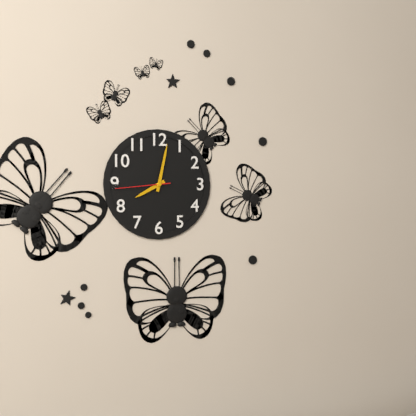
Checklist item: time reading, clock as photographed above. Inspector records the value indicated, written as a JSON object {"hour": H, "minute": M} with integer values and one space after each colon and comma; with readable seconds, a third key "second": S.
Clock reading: {"hour": 8, "minute": 2, "second": 44}
